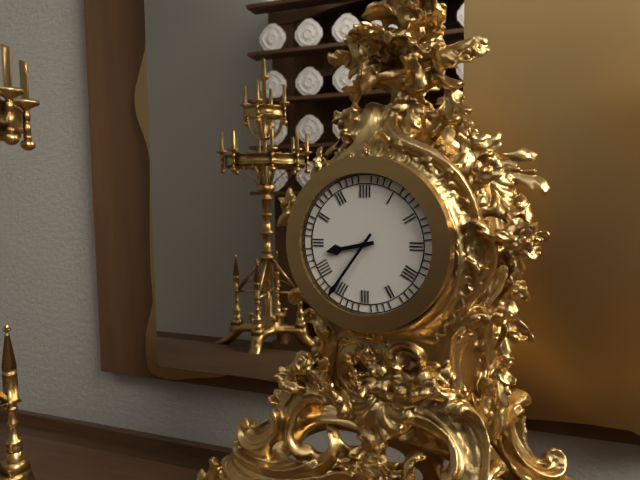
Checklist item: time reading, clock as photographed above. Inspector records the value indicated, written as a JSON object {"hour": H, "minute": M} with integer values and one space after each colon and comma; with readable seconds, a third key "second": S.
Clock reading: {"hour": 8, "minute": 36}
